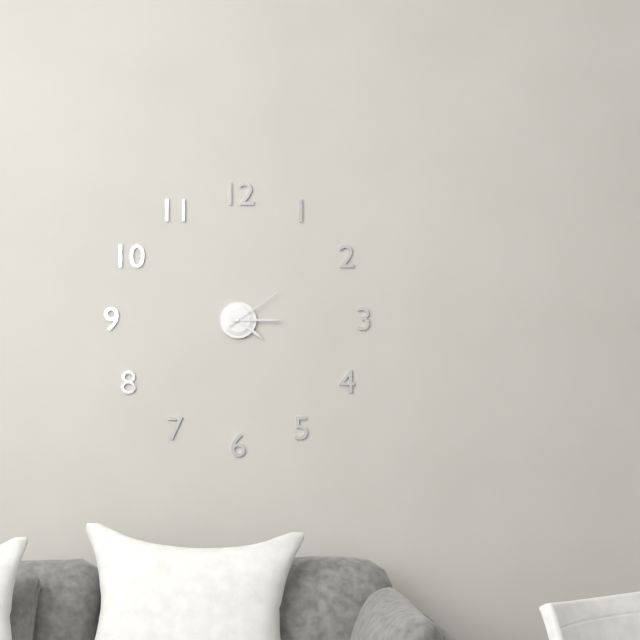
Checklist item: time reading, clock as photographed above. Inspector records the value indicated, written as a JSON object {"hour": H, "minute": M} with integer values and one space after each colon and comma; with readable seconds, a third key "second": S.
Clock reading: {"hour": 4, "minute": 15, "second": 9}
